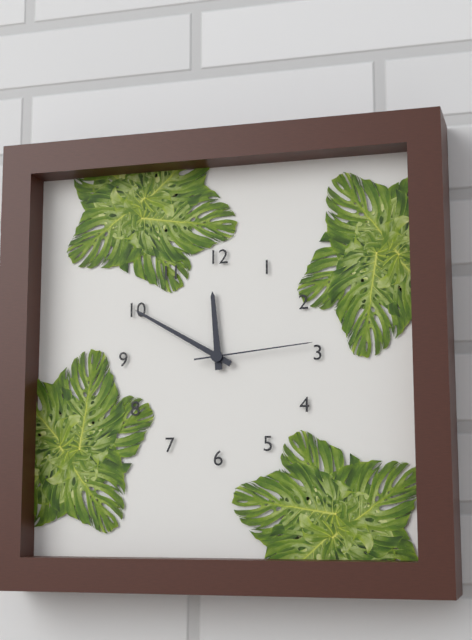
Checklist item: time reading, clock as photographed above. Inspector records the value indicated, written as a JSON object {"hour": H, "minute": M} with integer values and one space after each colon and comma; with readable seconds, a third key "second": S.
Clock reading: {"hour": 11, "minute": 50, "second": 14}
